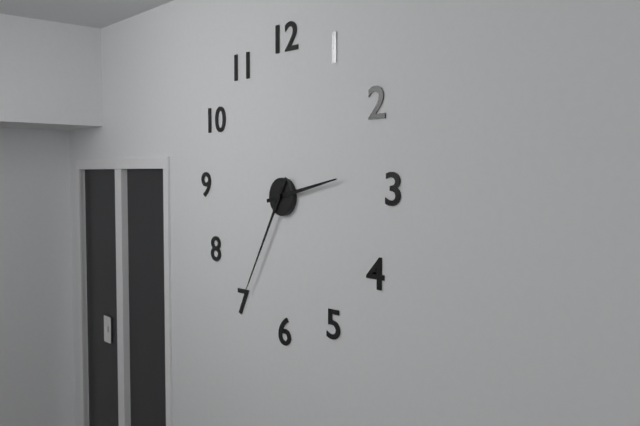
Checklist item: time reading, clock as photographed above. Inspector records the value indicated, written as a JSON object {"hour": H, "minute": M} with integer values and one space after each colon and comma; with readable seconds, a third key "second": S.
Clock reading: {"hour": 2, "minute": 35}
